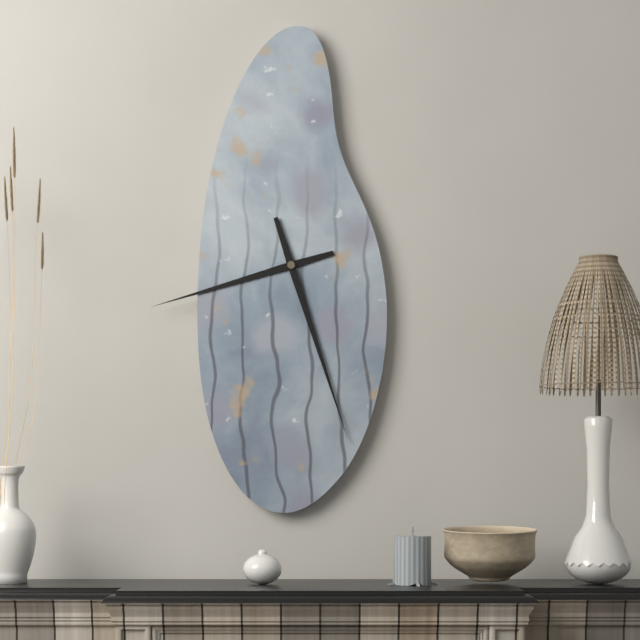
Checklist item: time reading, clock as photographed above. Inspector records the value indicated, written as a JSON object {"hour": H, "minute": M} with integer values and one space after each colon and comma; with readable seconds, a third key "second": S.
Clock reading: {"hour": 8, "minute": 27}
